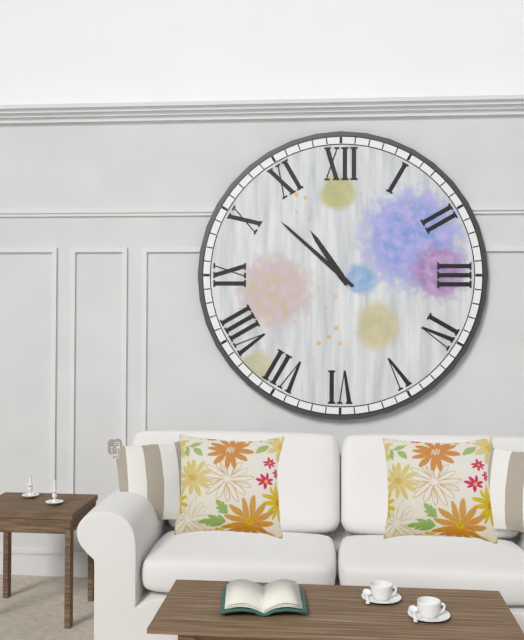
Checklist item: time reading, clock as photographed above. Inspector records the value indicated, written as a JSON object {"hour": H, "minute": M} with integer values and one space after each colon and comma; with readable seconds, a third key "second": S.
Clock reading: {"hour": 10, "minute": 52}
